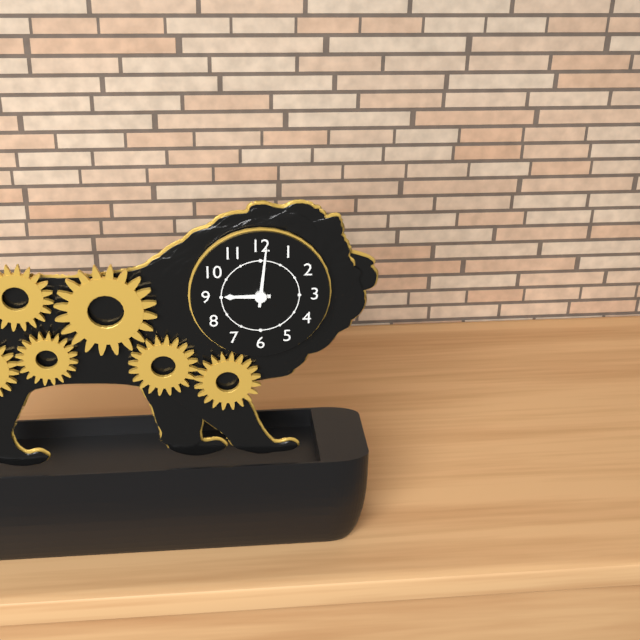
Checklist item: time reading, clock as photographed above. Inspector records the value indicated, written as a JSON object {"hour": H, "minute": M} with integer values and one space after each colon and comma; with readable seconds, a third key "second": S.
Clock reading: {"hour": 9, "minute": 1}
